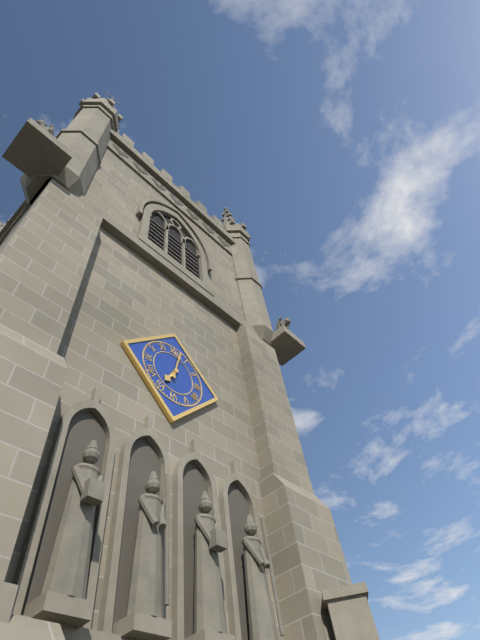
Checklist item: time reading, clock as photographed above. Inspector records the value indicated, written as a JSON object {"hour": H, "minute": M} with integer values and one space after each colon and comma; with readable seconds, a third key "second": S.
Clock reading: {"hour": 7, "minute": 2}
